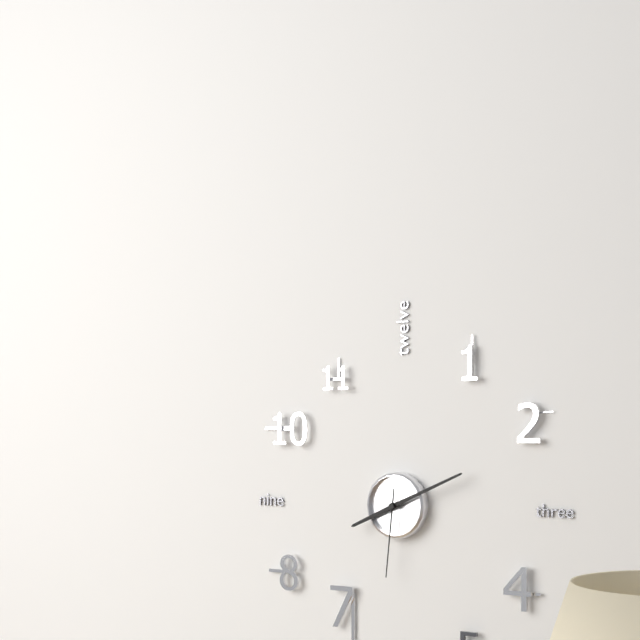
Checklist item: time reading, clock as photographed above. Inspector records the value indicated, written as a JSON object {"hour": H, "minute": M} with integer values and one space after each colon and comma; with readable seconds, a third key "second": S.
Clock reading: {"hour": 8, "minute": 11, "second": 31}
